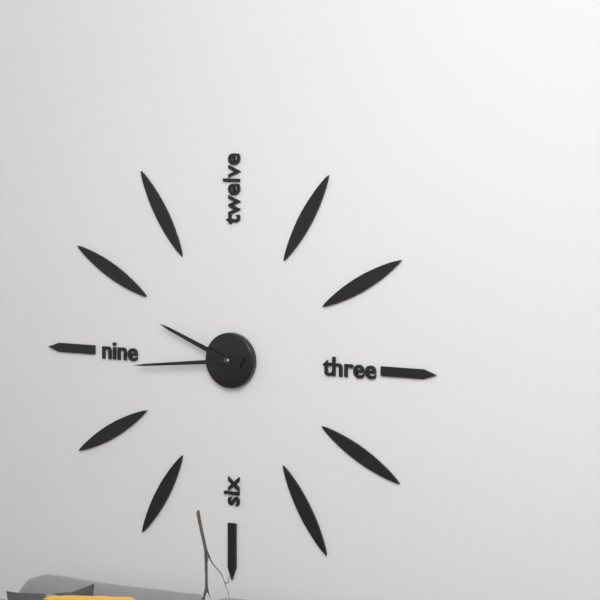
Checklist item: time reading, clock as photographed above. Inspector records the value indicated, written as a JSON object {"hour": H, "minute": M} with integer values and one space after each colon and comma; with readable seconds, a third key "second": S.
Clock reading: {"hour": 9, "minute": 44}
